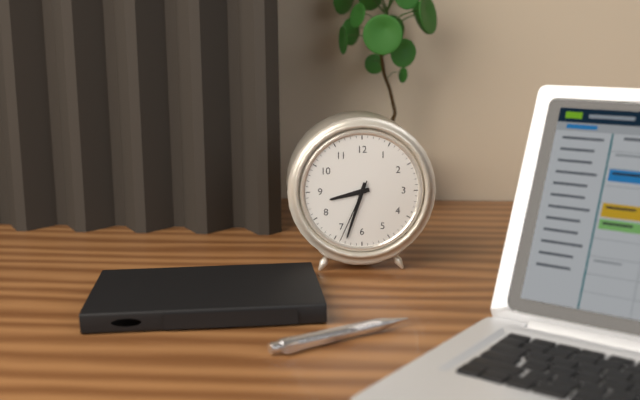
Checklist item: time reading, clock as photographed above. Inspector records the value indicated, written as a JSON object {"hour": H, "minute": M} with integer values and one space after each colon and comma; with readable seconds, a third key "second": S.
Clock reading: {"hour": 8, "minute": 33, "second": 34}
